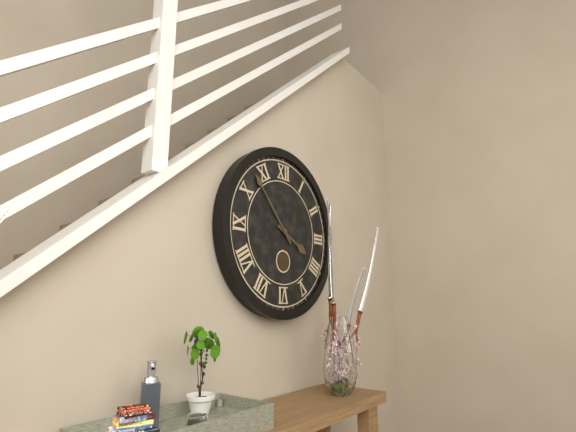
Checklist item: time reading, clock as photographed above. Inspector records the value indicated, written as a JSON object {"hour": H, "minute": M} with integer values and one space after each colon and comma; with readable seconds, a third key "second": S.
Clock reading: {"hour": 3, "minute": 53}
